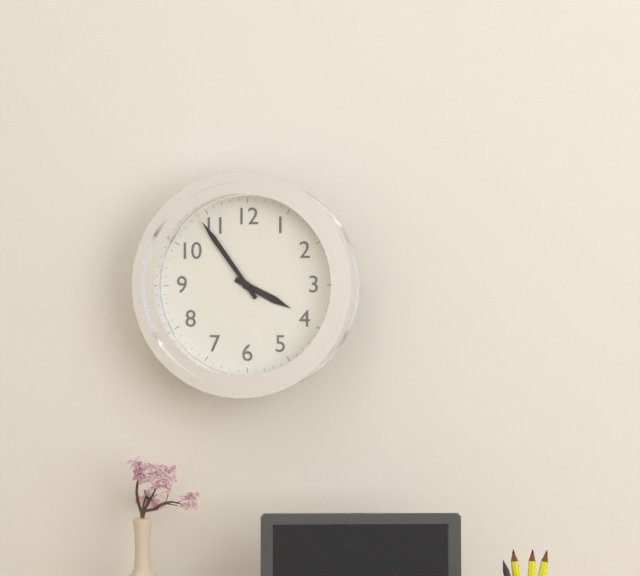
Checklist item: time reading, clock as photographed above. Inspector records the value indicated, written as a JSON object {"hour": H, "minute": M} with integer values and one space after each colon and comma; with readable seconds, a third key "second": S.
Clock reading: {"hour": 3, "minute": 54}
